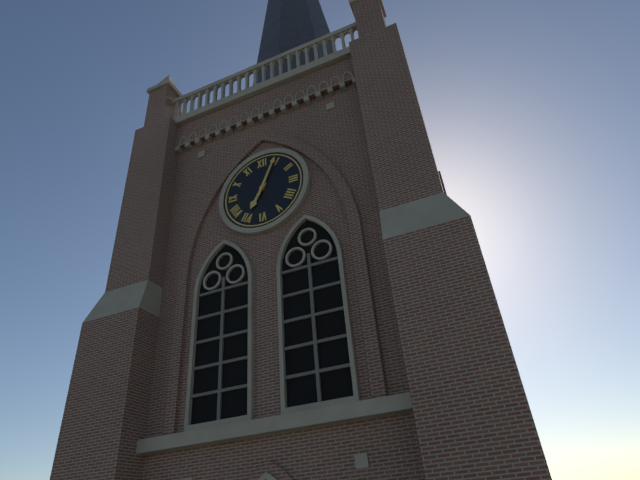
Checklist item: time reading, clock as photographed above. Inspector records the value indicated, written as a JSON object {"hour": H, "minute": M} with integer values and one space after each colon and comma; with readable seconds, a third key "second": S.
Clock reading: {"hour": 7, "minute": 4}
